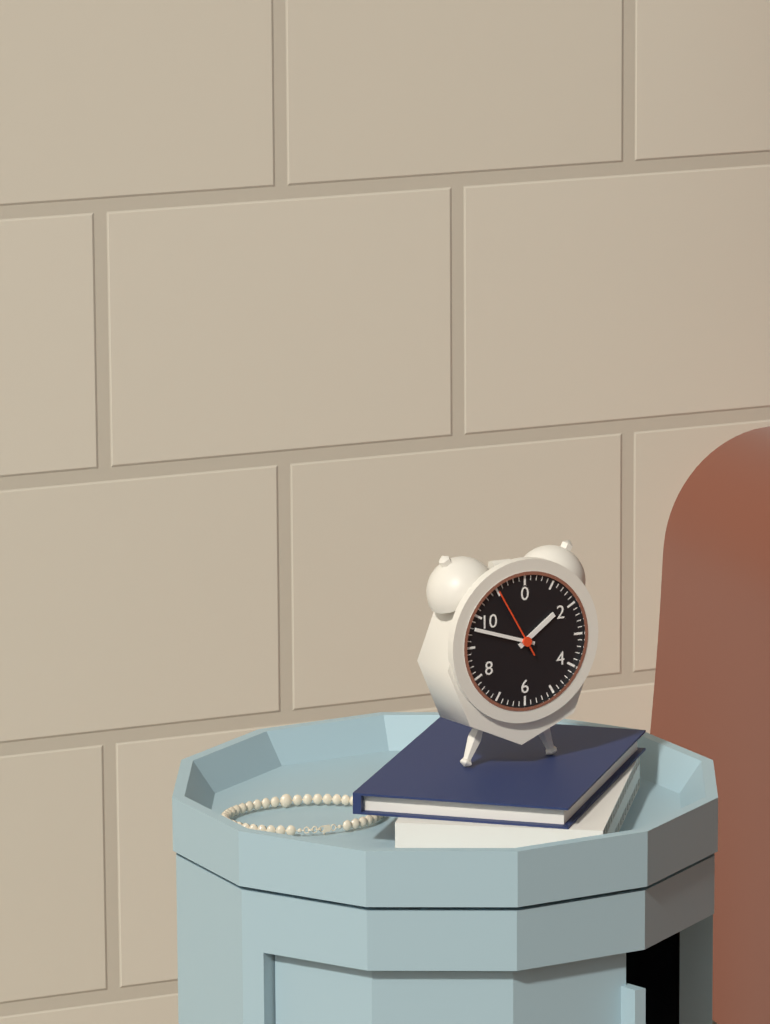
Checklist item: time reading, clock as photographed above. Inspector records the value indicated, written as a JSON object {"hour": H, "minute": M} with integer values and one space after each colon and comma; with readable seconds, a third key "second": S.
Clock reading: {"hour": 1, "minute": 48, "second": 55}
